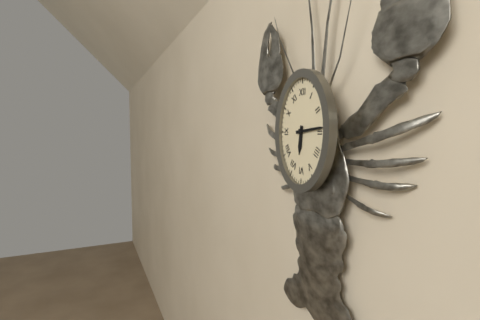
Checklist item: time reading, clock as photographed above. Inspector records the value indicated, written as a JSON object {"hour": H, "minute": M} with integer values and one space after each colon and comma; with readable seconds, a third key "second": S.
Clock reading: {"hour": 6, "minute": 14}
